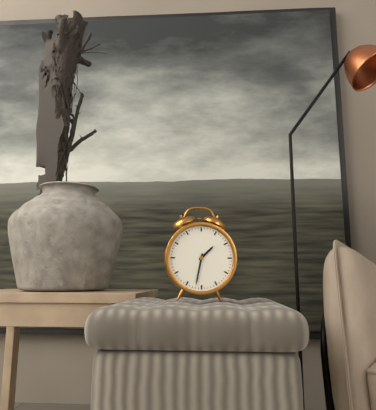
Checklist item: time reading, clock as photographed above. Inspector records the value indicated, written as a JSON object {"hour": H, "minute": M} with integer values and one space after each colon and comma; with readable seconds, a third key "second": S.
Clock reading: {"hour": 1, "minute": 32}
